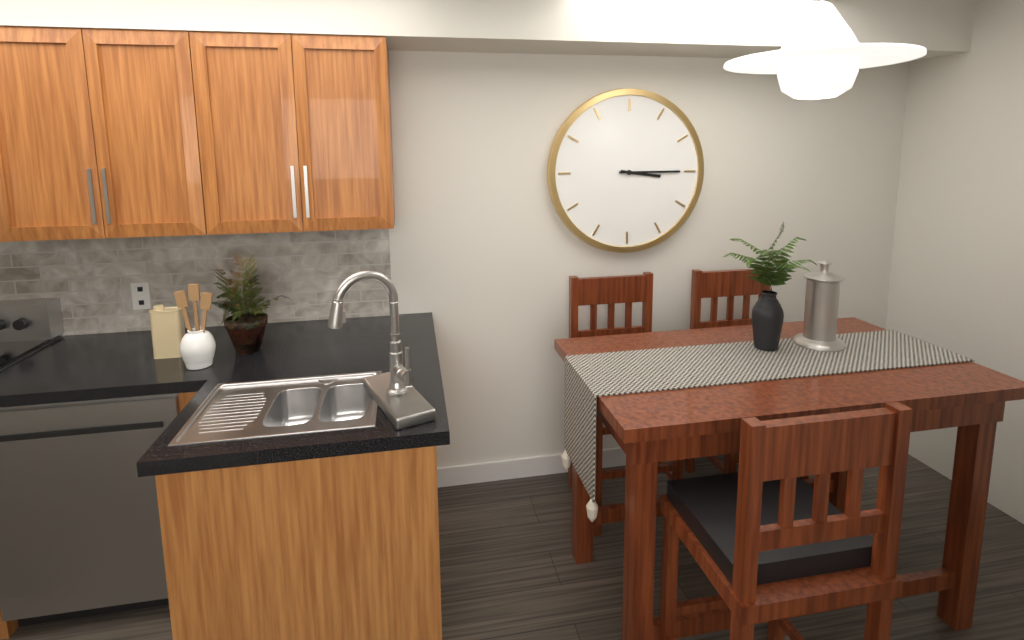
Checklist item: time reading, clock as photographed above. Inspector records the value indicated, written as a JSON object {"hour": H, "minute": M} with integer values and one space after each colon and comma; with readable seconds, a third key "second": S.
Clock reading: {"hour": 3, "minute": 15}
